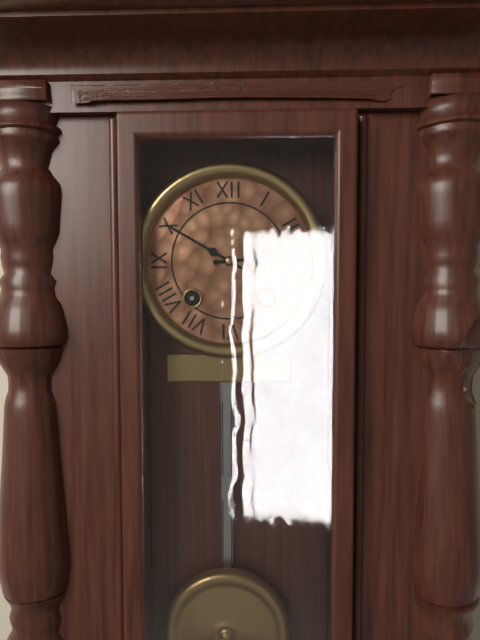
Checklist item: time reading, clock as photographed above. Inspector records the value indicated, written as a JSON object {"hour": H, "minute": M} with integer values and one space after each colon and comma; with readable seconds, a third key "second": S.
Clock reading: {"hour": 2, "minute": 50}
